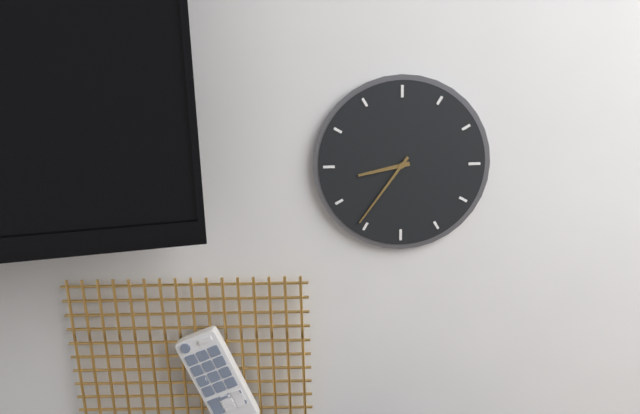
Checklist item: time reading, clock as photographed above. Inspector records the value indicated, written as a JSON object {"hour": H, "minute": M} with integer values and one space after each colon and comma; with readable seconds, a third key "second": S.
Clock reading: {"hour": 8, "minute": 36}
